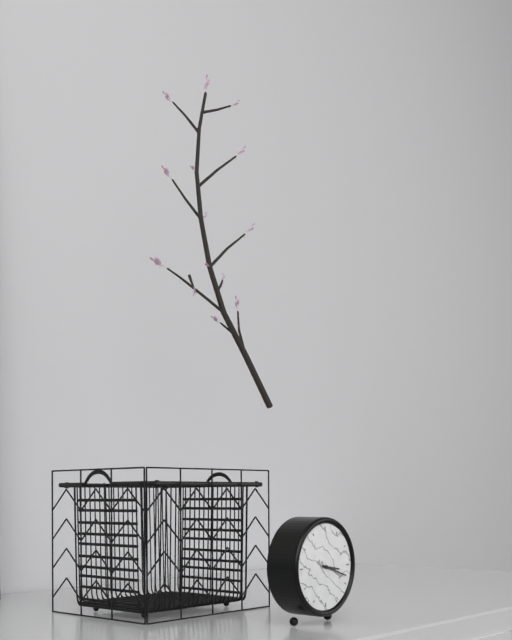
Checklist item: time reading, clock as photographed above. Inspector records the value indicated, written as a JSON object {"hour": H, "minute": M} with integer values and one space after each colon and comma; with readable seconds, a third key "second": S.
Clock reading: {"hour": 3, "minute": 18}
